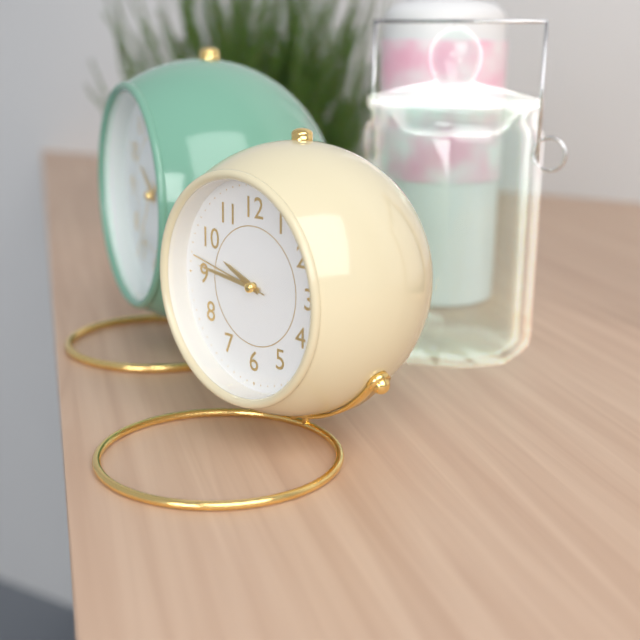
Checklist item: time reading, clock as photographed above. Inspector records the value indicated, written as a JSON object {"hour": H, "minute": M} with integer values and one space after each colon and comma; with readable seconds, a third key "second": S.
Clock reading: {"hour": 9, "minute": 46, "second": 47}
